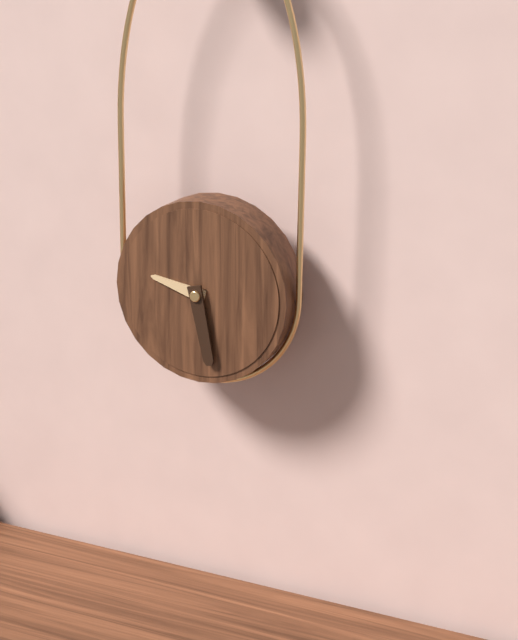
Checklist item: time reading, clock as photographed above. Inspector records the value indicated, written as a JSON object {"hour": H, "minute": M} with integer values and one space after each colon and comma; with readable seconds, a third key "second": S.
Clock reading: {"hour": 9, "minute": 28}
